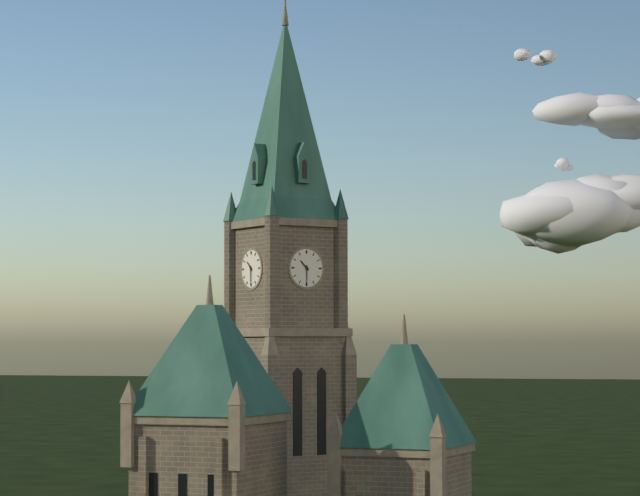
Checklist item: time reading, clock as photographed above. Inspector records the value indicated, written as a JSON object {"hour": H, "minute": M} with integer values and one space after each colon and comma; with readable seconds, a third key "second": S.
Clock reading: {"hour": 10, "minute": 30}
